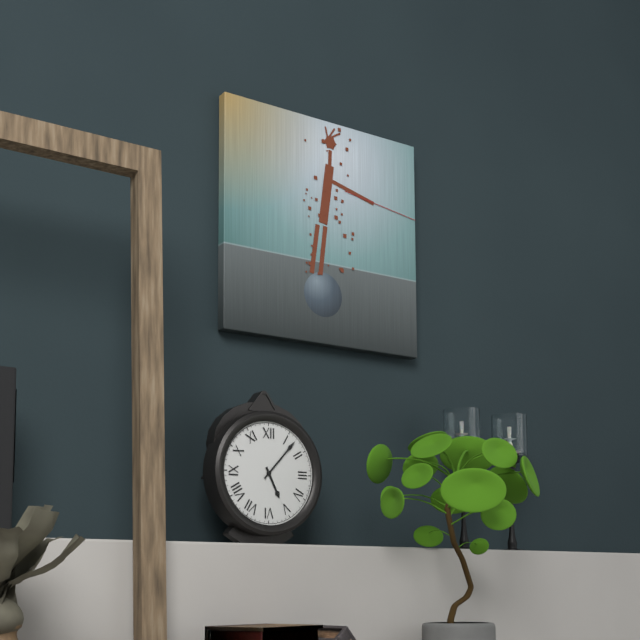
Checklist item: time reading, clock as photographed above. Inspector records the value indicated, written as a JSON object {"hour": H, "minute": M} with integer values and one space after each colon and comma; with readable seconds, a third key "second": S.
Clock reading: {"hour": 5, "minute": 7}
